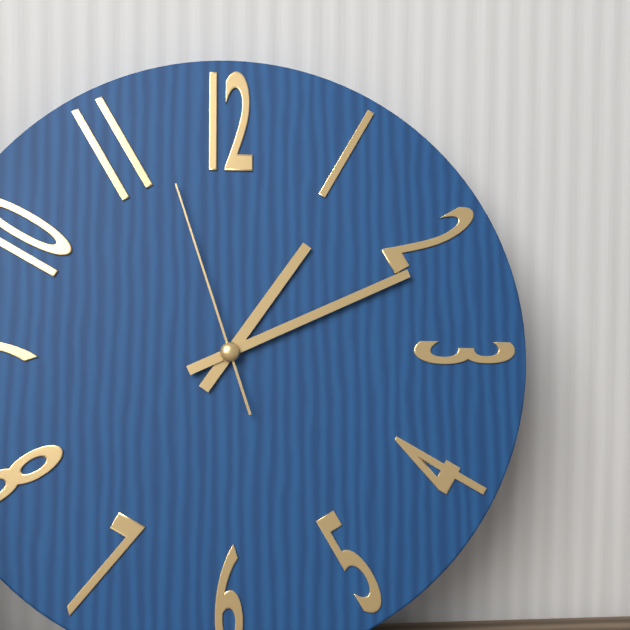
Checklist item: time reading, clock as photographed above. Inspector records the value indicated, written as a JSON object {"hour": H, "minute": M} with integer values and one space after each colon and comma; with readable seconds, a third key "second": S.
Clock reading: {"hour": 1, "minute": 11, "second": 57}
